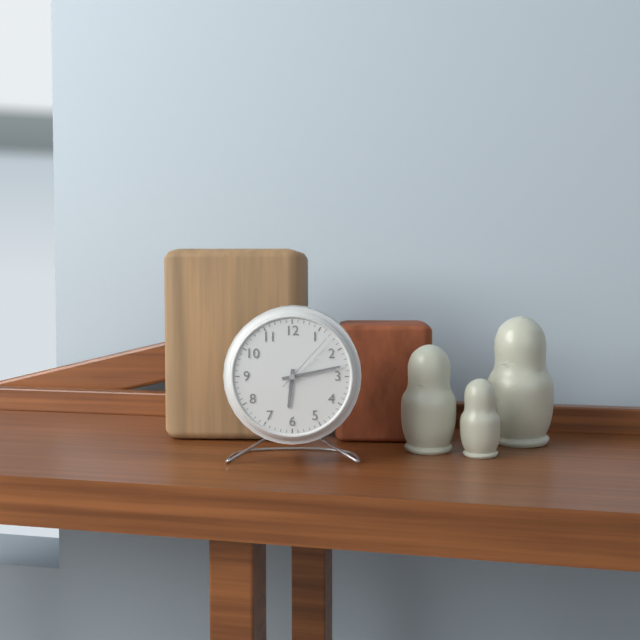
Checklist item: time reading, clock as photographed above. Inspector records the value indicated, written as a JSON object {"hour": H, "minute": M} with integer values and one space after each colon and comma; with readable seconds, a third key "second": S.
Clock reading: {"hour": 6, "minute": 13, "second": 7}
